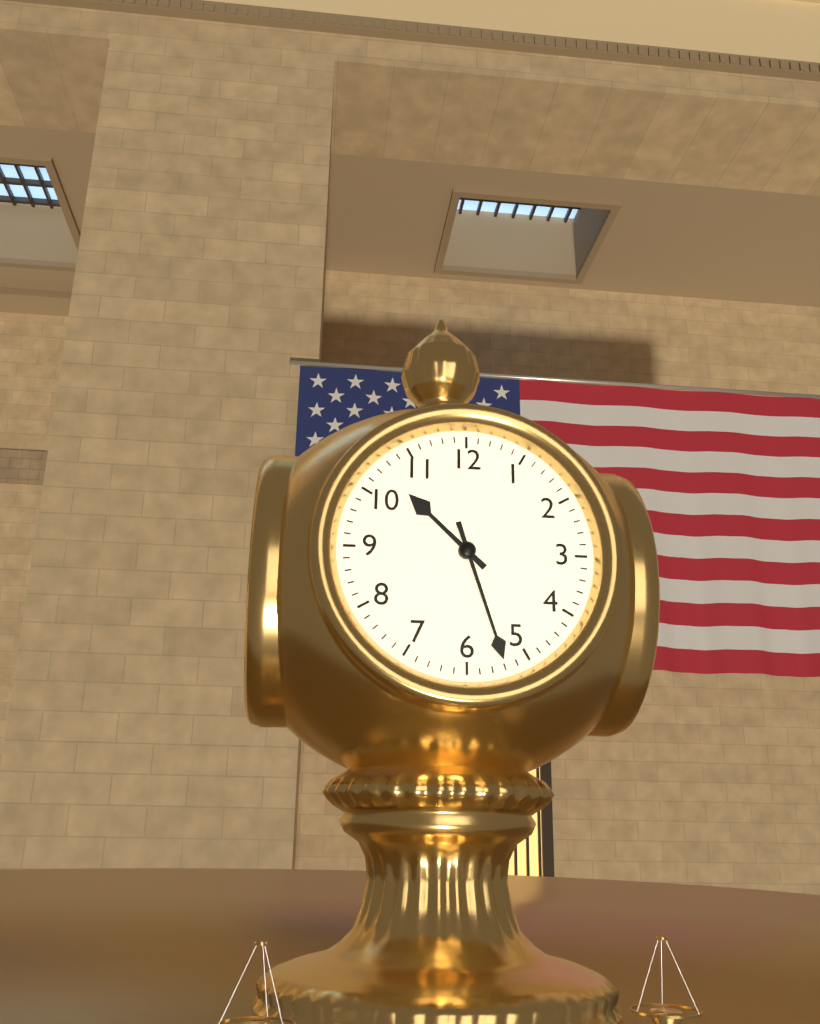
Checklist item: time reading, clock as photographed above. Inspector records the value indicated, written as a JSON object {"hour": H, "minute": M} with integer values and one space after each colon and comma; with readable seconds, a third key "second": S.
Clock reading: {"hour": 10, "minute": 27}
